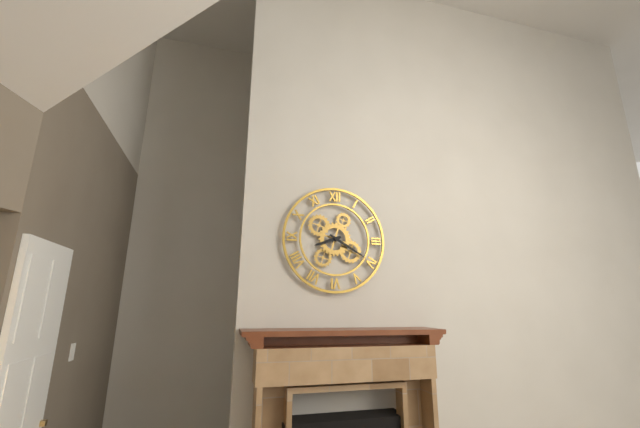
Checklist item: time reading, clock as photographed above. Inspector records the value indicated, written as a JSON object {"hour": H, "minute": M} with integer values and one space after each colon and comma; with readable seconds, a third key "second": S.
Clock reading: {"hour": 8, "minute": 20}
